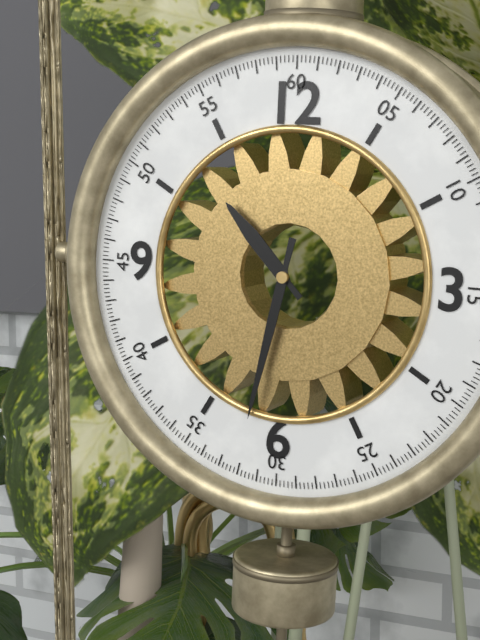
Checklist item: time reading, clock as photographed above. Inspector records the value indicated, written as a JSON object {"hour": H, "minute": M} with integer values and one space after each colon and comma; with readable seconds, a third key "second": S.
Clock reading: {"hour": 10, "minute": 32}
